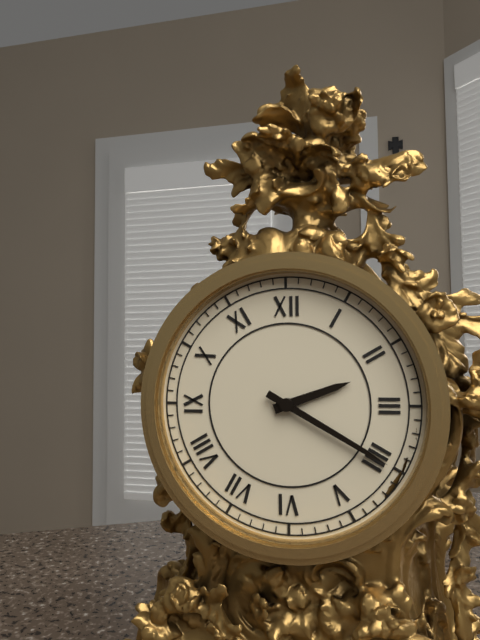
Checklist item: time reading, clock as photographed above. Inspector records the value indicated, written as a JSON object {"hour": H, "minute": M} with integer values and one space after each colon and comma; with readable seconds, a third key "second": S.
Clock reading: {"hour": 2, "minute": 20}
